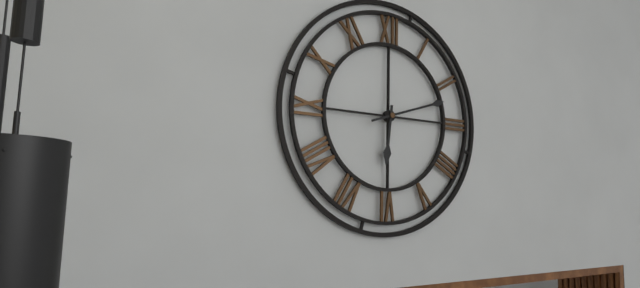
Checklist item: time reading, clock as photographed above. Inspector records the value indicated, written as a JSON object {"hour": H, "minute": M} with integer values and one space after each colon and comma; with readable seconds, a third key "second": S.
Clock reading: {"hour": 6, "minute": 12}
